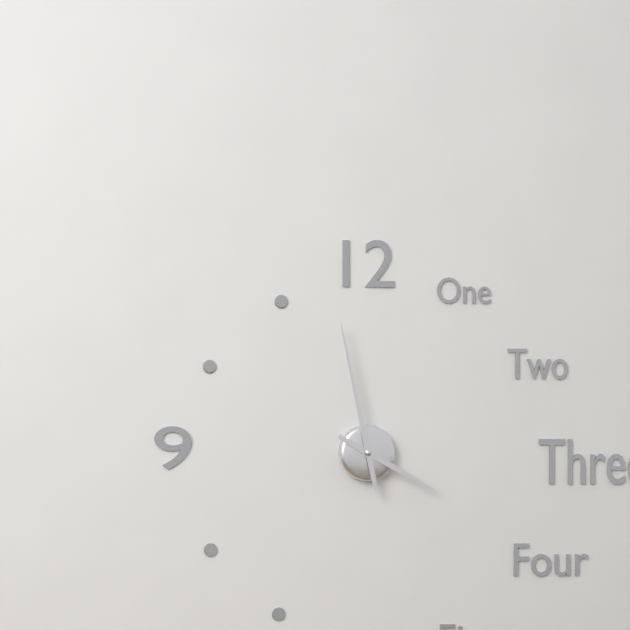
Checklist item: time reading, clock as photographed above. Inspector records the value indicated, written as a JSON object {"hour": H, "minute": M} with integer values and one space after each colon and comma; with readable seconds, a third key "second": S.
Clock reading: {"hour": 3, "minute": 58}
